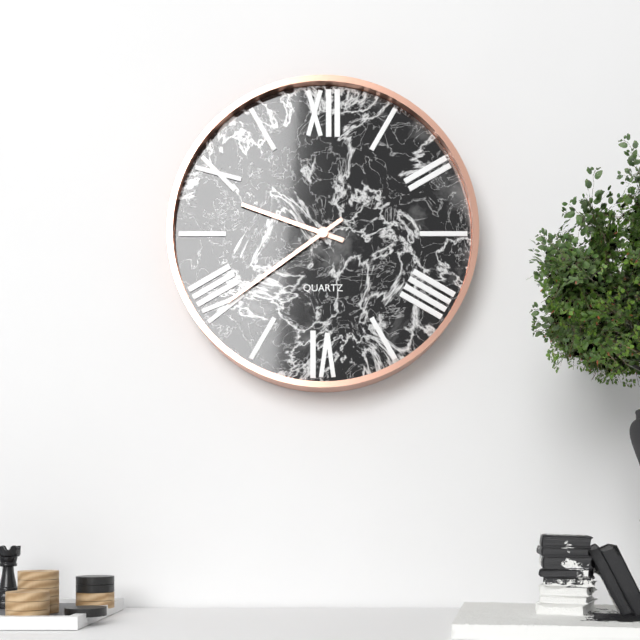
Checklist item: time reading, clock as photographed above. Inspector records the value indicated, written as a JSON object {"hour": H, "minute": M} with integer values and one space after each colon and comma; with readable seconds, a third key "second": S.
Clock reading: {"hour": 9, "minute": 39}
